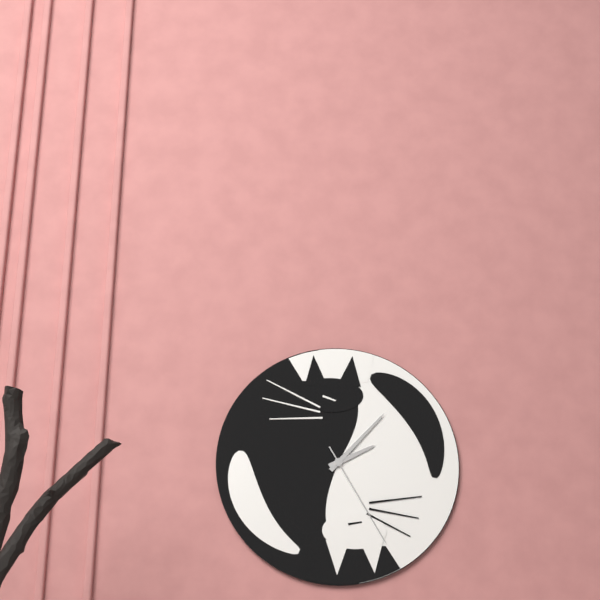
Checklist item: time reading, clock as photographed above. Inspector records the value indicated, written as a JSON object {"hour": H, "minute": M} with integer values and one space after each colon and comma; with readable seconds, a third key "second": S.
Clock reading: {"hour": 2, "minute": 7, "second": 25}
